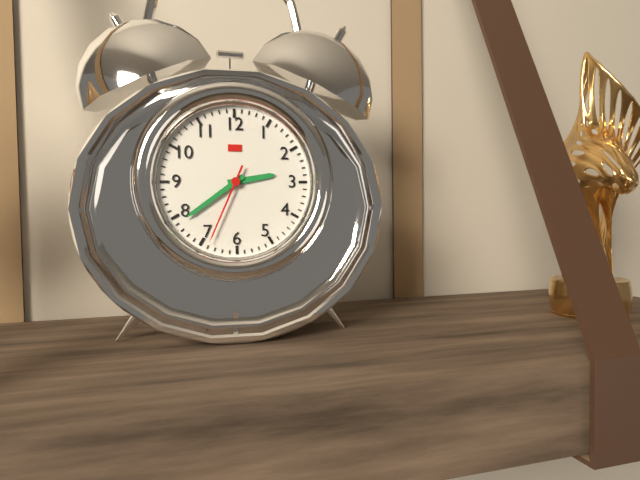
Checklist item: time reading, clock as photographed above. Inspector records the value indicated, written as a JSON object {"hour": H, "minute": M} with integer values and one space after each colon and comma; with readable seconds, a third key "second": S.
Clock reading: {"hour": 2, "minute": 39, "second": 34}
